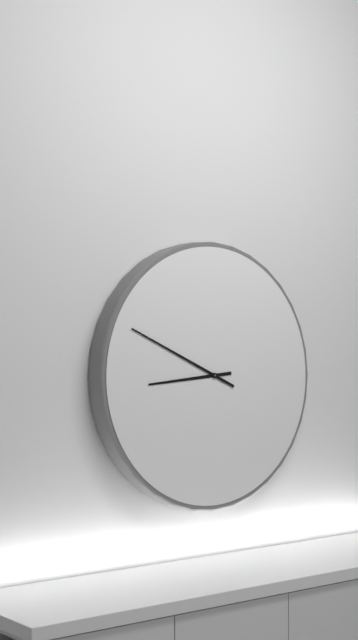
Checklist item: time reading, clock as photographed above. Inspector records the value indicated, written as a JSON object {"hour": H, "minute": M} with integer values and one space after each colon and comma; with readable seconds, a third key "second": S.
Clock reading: {"hour": 8, "minute": 49}
